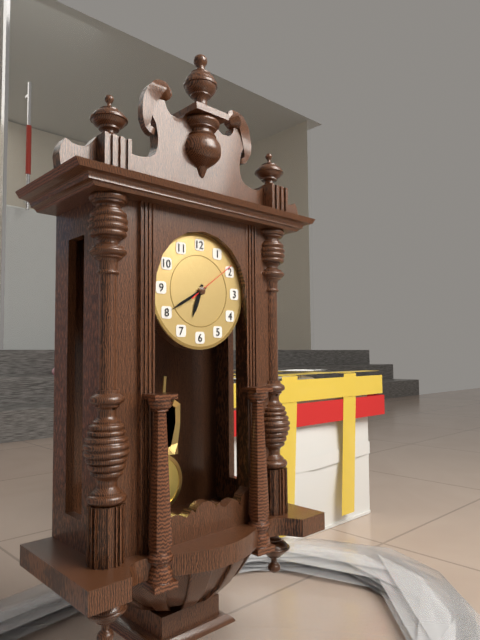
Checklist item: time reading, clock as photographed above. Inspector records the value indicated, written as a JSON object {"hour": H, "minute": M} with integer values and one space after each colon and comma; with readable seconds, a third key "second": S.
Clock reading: {"hour": 6, "minute": 40, "second": 9}
